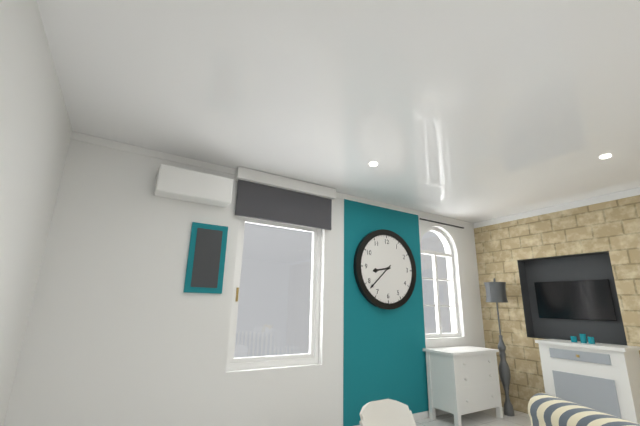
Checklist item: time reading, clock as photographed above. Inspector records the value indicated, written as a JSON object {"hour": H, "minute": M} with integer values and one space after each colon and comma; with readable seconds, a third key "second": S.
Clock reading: {"hour": 8, "minute": 38}
